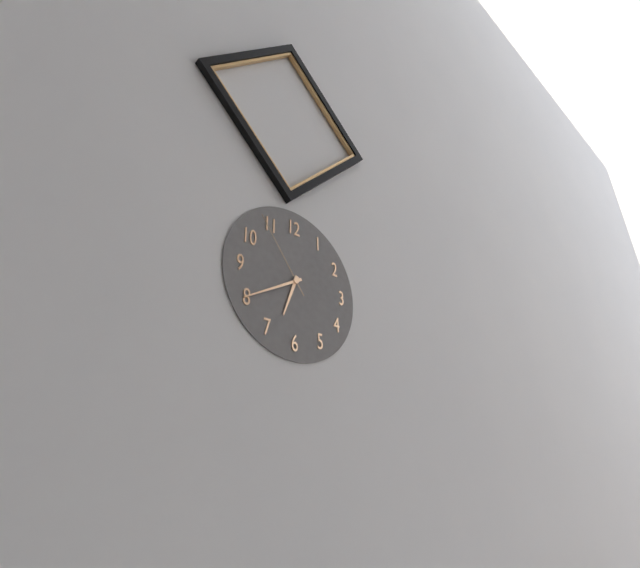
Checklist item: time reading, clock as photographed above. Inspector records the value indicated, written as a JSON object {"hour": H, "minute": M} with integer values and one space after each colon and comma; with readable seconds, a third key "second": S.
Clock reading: {"hour": 6, "minute": 40, "second": 54}
